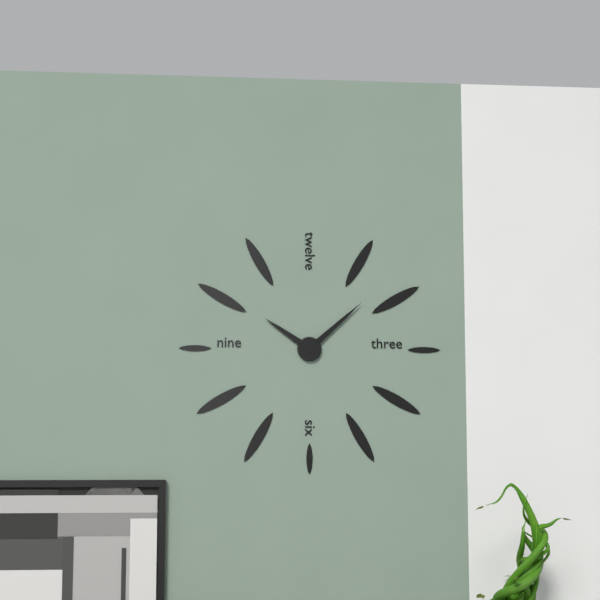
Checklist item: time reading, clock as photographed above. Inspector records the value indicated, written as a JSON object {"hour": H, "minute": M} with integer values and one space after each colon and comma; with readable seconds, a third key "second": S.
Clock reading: {"hour": 10, "minute": 8}
